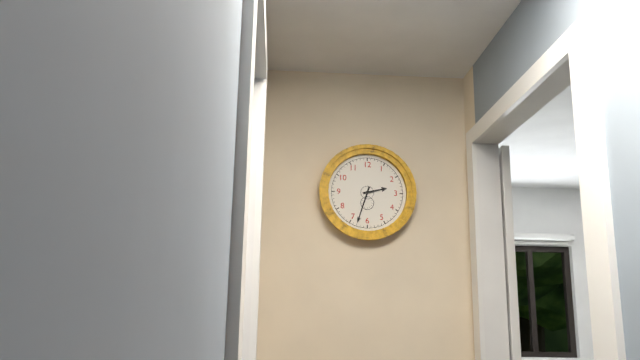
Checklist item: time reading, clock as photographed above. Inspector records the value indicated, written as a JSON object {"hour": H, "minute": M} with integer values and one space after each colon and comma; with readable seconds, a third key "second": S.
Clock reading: {"hour": 2, "minute": 33}
